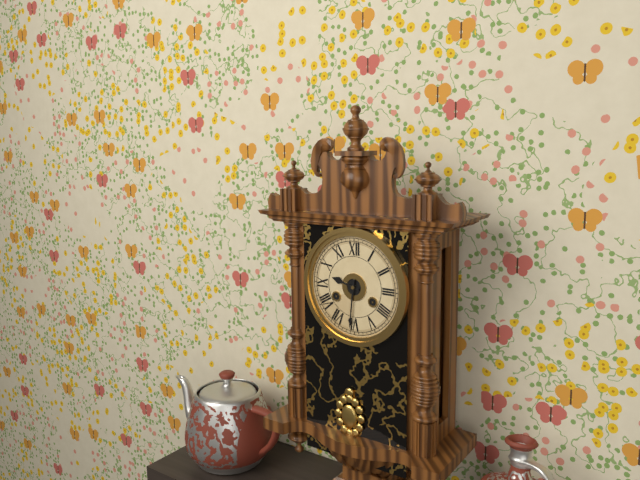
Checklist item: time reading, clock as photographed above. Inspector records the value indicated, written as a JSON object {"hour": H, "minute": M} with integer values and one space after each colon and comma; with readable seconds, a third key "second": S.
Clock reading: {"hour": 9, "minute": 31}
